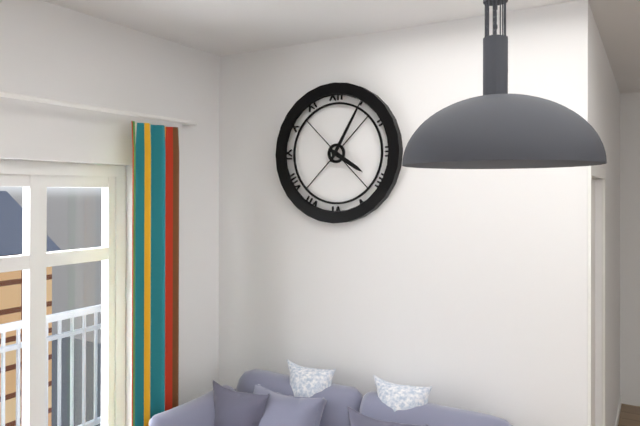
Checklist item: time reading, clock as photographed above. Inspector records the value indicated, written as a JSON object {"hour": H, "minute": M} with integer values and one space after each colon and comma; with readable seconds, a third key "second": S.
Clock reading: {"hour": 4, "minute": 5}
